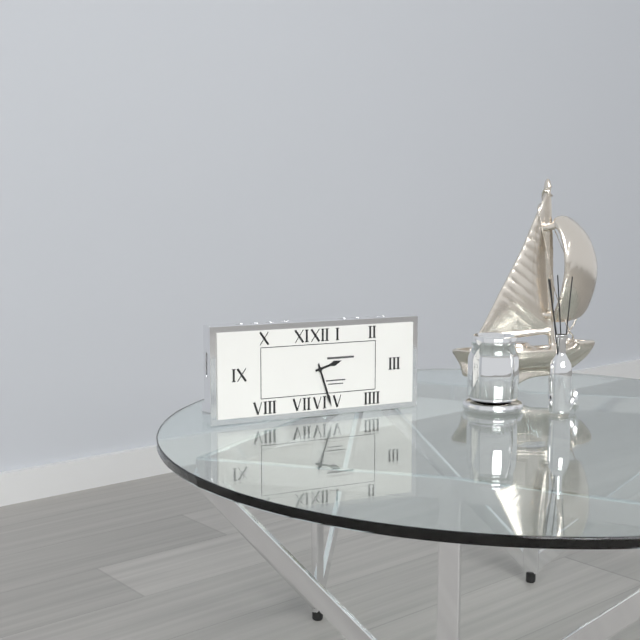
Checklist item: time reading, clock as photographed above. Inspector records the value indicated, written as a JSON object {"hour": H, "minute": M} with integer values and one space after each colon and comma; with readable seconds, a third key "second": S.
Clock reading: {"hour": 2, "minute": 27}
